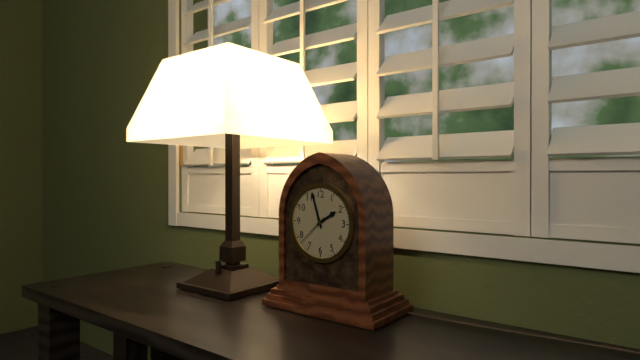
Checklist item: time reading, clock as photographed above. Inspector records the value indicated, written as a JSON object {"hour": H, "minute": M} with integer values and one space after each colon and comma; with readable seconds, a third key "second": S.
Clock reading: {"hour": 1, "minute": 57}
